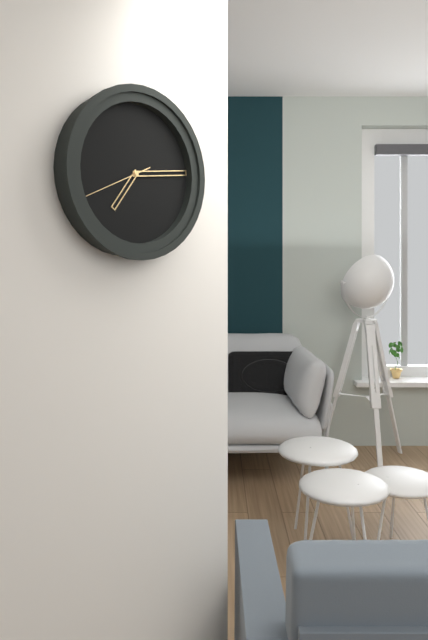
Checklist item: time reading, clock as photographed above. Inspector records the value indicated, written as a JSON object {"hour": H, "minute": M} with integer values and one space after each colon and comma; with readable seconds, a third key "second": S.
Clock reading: {"hour": 7, "minute": 14, "second": 41}
